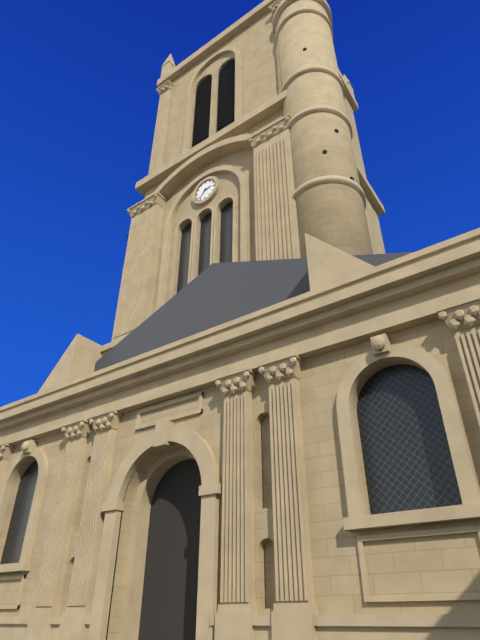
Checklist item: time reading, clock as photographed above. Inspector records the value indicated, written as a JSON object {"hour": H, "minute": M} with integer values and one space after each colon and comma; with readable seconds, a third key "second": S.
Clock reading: {"hour": 2, "minute": 36}
